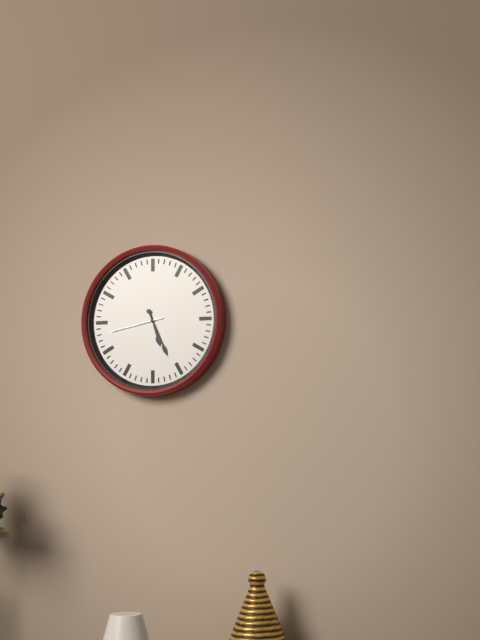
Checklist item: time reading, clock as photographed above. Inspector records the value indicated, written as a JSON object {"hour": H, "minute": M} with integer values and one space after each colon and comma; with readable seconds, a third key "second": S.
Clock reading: {"hour": 5, "minute": 26, "second": 43}
